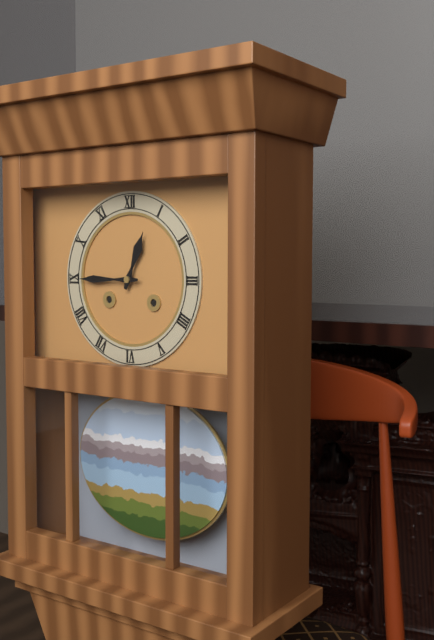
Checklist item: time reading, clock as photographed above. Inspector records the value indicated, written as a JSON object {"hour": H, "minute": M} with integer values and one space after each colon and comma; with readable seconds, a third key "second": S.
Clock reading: {"hour": 12, "minute": 45}
